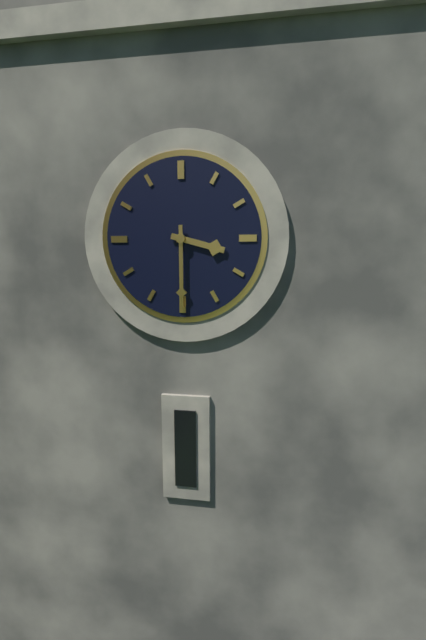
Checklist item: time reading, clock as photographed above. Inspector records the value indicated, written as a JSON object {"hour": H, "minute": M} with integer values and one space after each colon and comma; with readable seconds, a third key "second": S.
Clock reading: {"hour": 3, "minute": 30}
